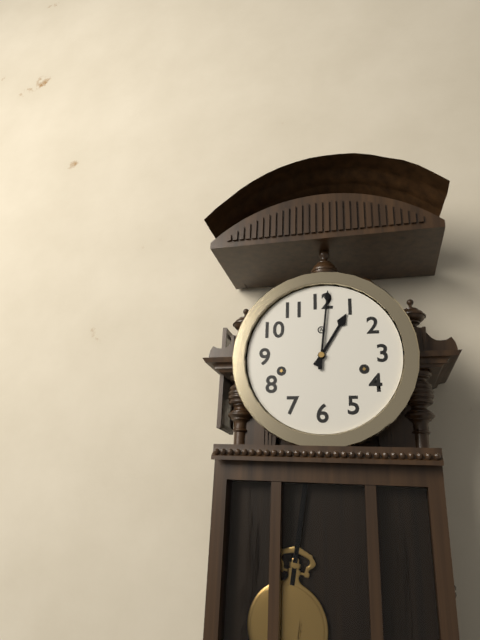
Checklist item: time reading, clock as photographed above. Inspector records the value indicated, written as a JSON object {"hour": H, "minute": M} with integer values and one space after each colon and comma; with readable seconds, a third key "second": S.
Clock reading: {"hour": 1, "minute": 1}
